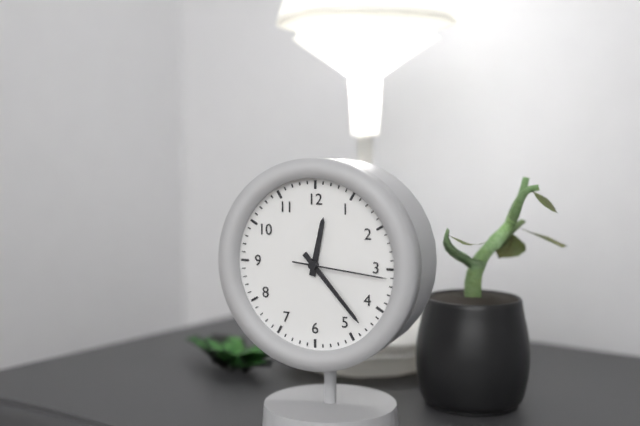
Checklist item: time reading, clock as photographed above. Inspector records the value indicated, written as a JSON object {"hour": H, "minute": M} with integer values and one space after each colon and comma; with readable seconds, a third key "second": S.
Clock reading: {"hour": 12, "minute": 23, "second": 16}
